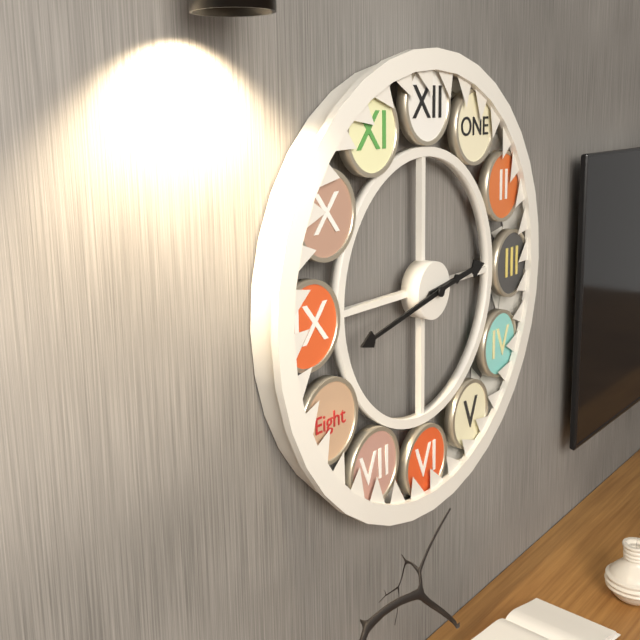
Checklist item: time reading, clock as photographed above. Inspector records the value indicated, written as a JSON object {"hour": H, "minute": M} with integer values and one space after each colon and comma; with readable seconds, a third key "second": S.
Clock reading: {"hour": 2, "minute": 43}
